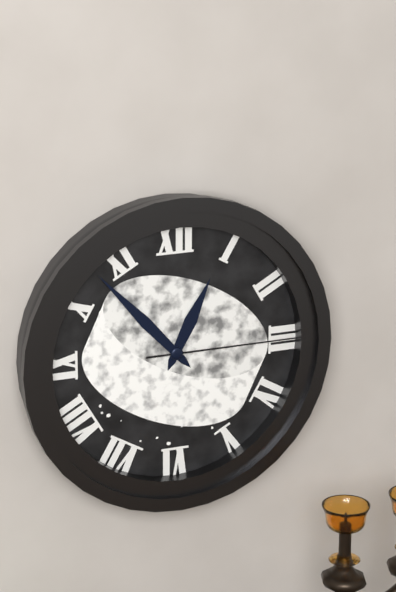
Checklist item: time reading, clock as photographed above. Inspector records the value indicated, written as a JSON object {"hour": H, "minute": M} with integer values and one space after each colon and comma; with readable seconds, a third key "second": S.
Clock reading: {"hour": 12, "minute": 53, "second": 15}
